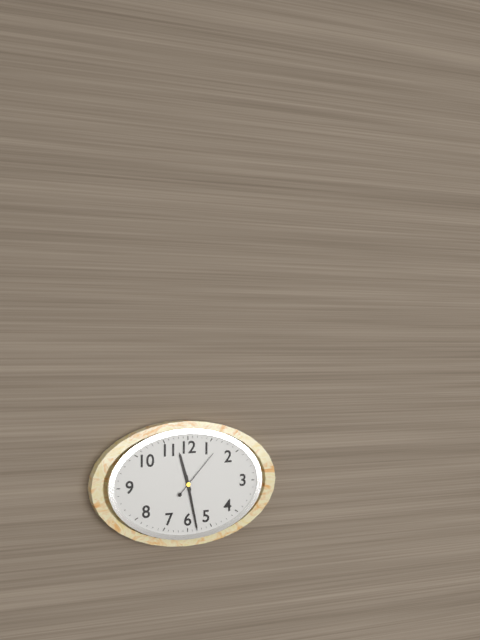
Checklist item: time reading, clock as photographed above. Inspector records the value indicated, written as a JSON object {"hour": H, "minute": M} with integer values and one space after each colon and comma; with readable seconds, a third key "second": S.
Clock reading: {"hour": 11, "minute": 28}
